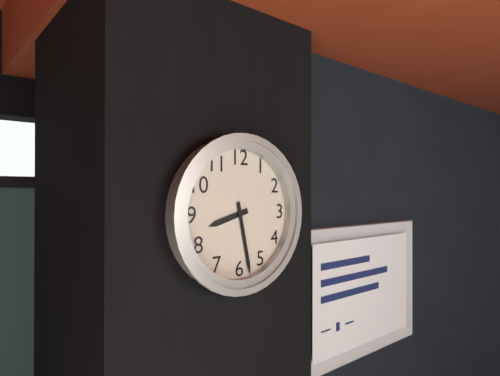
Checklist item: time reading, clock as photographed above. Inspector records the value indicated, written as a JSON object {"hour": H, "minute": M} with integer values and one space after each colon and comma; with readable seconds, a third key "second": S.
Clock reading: {"hour": 8, "minute": 28}
